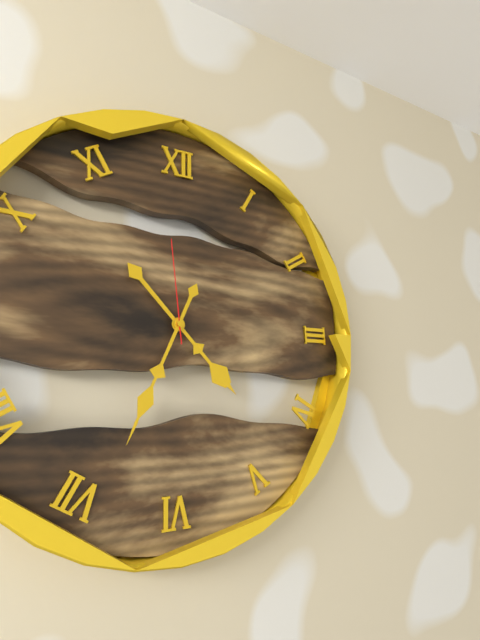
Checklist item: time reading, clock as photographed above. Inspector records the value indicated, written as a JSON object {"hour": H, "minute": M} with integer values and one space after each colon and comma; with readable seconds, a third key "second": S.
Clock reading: {"hour": 4, "minute": 34, "second": 59}
